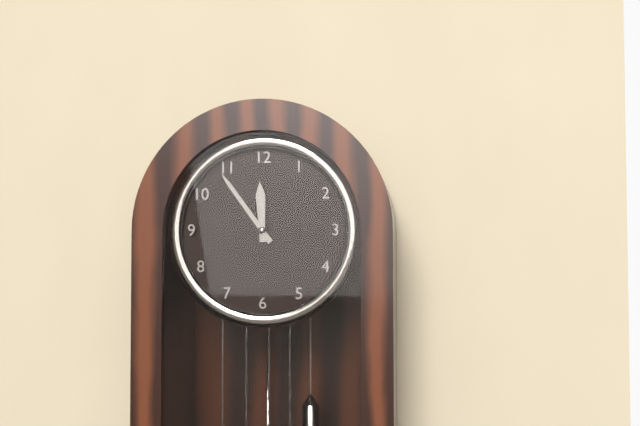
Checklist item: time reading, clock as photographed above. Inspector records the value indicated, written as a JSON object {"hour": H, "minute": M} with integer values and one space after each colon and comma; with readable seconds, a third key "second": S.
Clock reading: {"hour": 11, "minute": 54}
